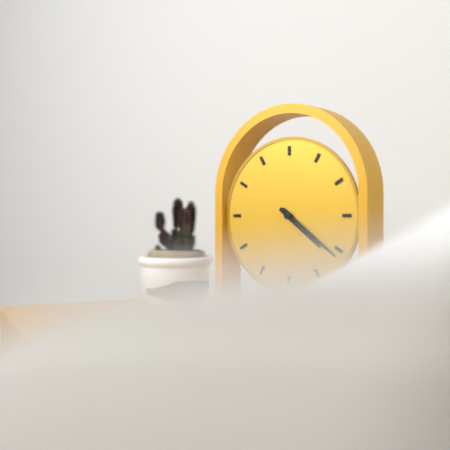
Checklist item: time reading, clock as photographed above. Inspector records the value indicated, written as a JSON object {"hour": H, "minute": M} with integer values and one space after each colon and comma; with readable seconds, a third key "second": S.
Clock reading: {"hour": 4, "minute": 21}
